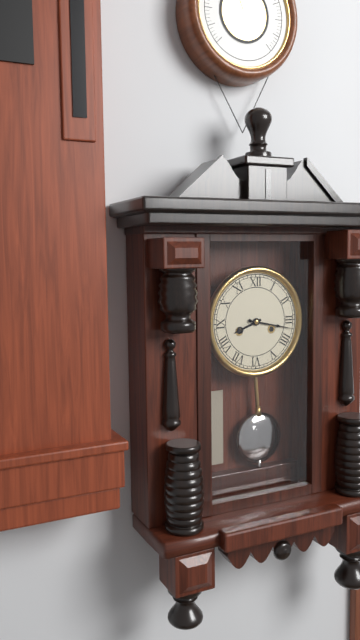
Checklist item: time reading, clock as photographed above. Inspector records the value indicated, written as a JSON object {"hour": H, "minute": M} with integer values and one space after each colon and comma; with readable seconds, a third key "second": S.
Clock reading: {"hour": 8, "minute": 17}
